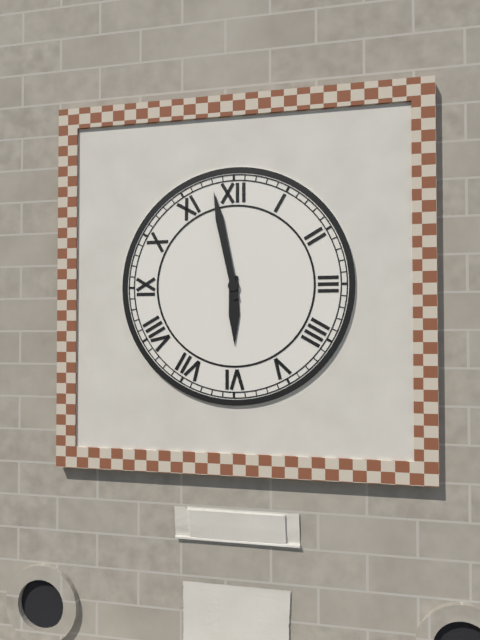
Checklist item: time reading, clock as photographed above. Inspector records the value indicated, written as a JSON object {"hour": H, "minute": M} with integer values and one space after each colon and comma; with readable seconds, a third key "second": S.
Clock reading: {"hour": 5, "minute": 58}
